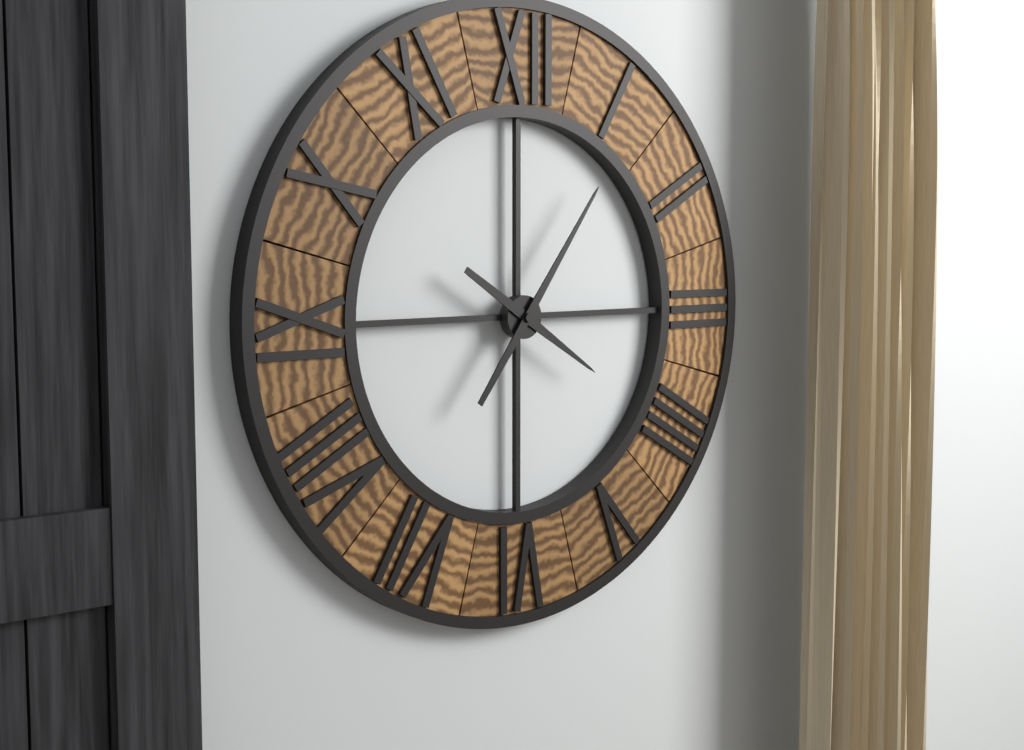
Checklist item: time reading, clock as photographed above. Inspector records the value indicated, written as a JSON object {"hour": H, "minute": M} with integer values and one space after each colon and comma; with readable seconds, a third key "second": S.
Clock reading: {"hour": 4, "minute": 6}
